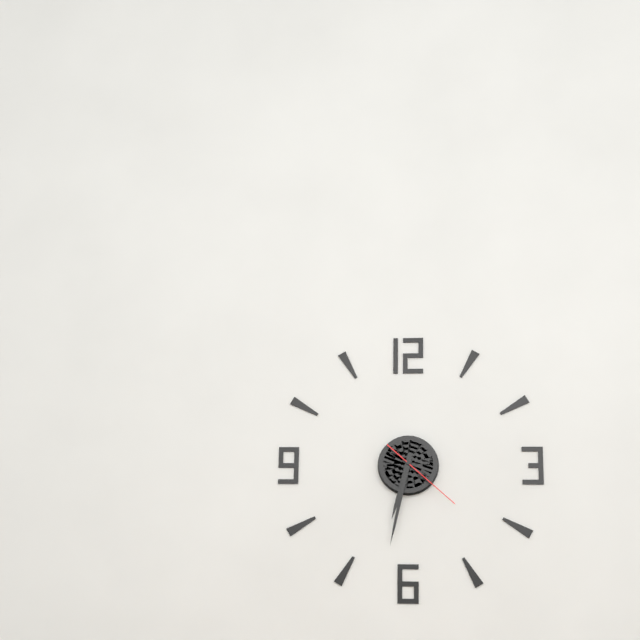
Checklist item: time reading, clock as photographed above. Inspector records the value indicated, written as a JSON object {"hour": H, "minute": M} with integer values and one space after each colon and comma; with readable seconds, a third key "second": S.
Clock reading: {"hour": 6, "minute": 32, "second": 22}
